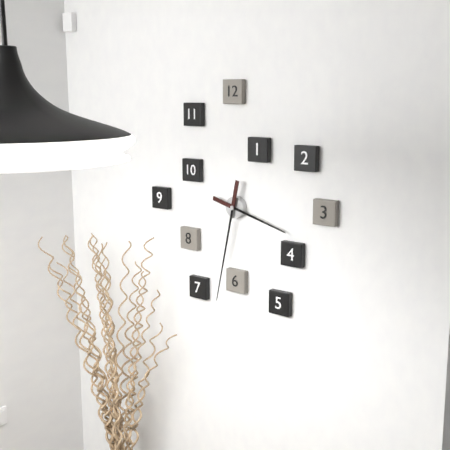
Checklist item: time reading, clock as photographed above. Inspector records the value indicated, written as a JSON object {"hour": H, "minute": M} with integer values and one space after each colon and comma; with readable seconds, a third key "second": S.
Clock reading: {"hour": 3, "minute": 32}
